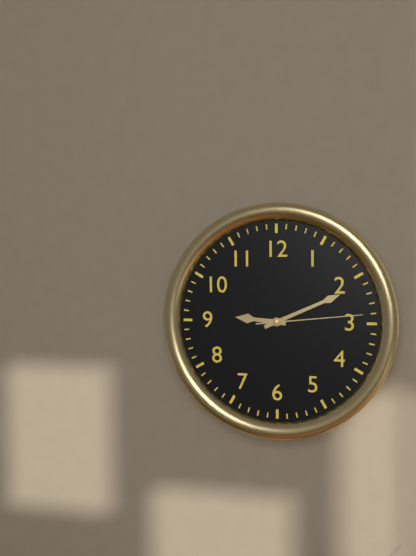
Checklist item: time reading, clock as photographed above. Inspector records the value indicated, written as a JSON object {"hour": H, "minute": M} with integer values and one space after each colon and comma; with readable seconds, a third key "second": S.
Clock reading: {"hour": 9, "minute": 11, "second": 14}
